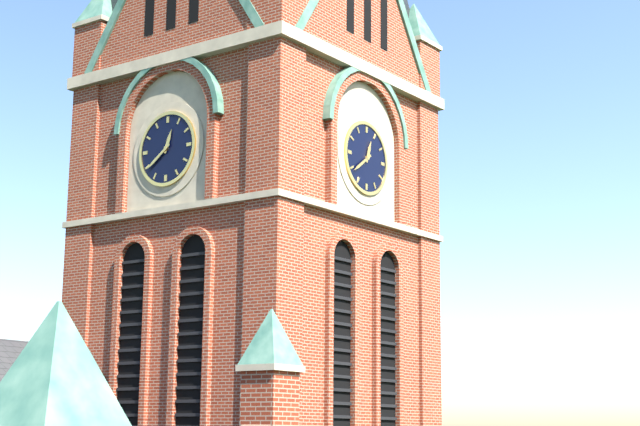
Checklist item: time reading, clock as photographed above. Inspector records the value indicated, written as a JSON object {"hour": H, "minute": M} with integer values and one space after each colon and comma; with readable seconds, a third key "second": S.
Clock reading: {"hour": 12, "minute": 39}
